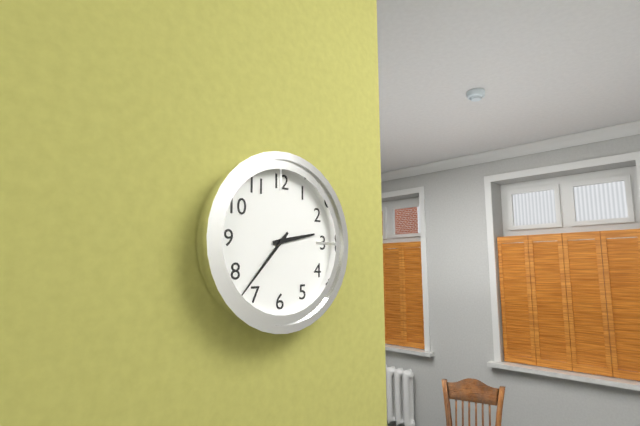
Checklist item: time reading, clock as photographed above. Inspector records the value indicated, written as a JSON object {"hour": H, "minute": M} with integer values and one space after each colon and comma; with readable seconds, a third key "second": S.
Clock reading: {"hour": 2, "minute": 37}
